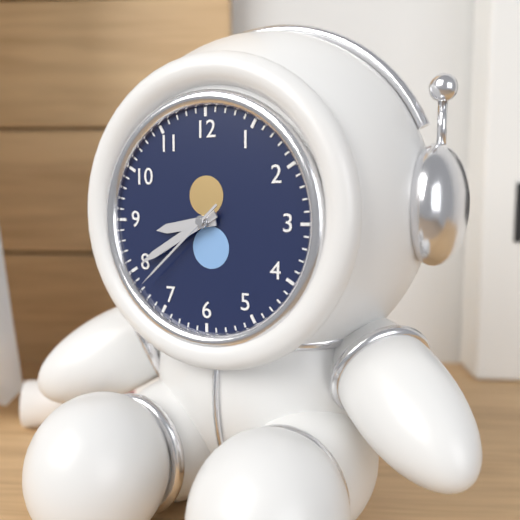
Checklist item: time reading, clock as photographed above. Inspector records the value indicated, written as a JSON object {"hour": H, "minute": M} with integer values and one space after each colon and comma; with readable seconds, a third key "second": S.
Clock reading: {"hour": 8, "minute": 40, "second": 38}
